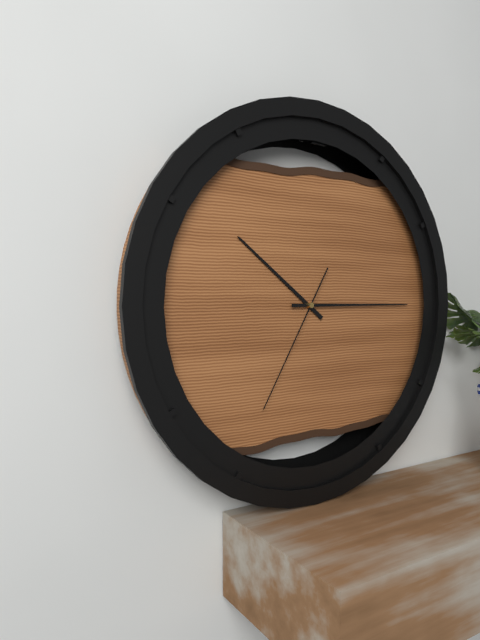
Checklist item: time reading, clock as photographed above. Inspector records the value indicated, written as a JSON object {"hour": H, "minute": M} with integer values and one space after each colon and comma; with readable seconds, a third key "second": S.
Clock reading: {"hour": 10, "minute": 15, "second": 35}
